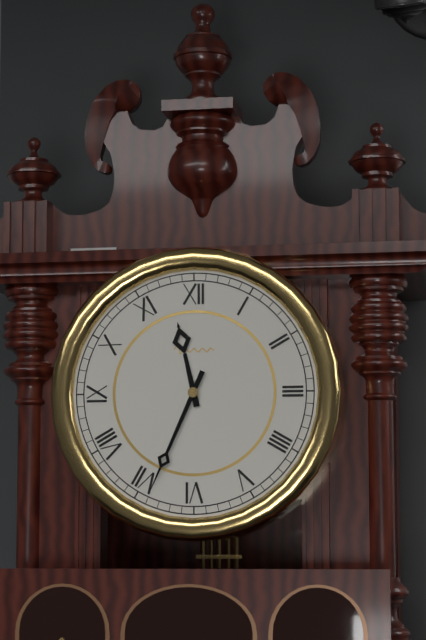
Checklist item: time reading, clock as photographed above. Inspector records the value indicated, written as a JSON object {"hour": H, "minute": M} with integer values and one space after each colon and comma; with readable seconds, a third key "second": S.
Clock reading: {"hour": 11, "minute": 34}
